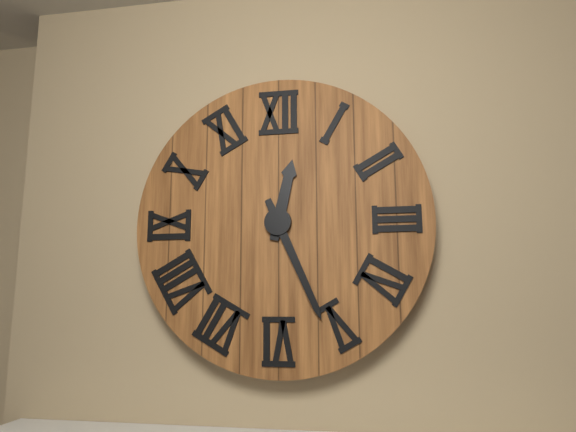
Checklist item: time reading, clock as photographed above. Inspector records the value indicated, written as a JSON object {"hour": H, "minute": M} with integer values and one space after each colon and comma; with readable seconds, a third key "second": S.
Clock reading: {"hour": 12, "minute": 26}
